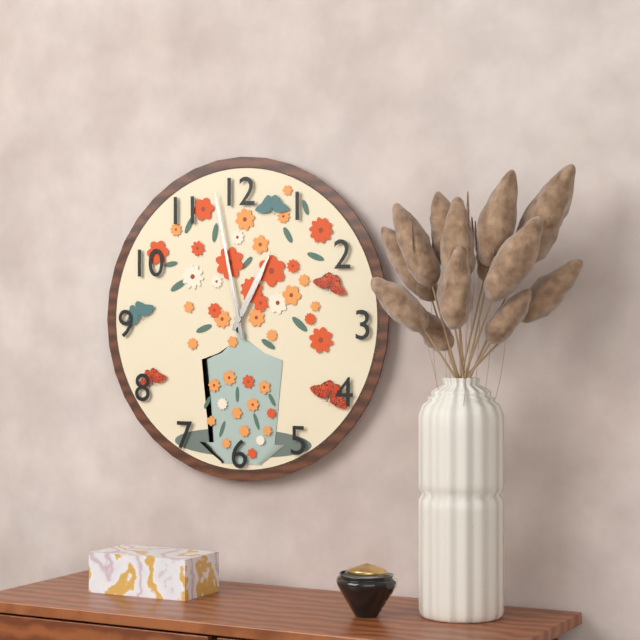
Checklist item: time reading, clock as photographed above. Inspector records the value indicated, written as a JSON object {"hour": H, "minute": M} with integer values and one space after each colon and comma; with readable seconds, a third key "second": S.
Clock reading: {"hour": 12, "minute": 58}
